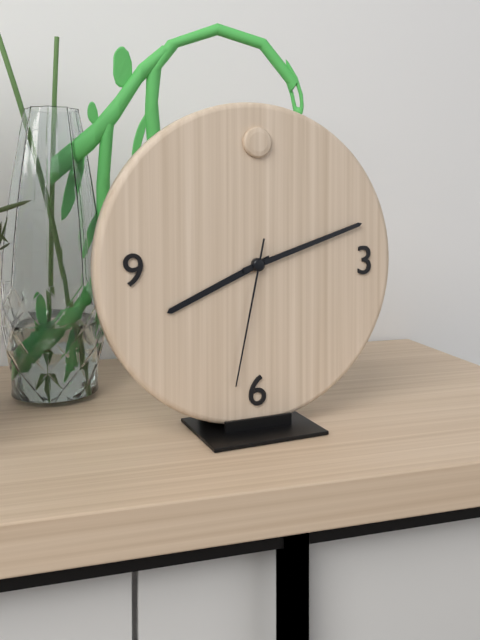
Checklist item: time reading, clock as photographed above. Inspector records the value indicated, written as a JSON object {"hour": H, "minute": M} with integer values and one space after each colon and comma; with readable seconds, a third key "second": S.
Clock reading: {"hour": 8, "minute": 12, "second": 32}
